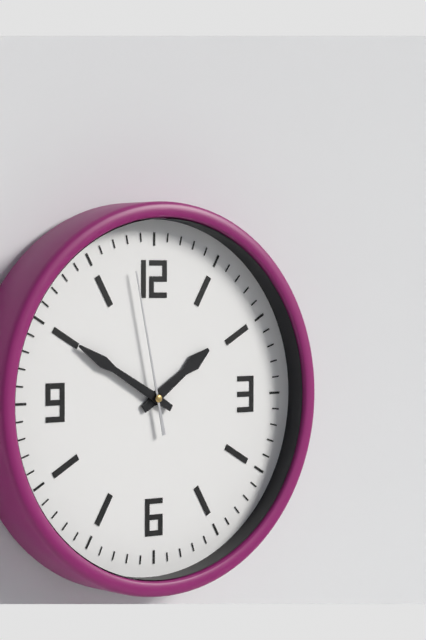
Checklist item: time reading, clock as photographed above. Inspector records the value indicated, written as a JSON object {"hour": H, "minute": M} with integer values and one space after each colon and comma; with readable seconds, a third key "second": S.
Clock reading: {"hour": 1, "minute": 50, "second": 58}
